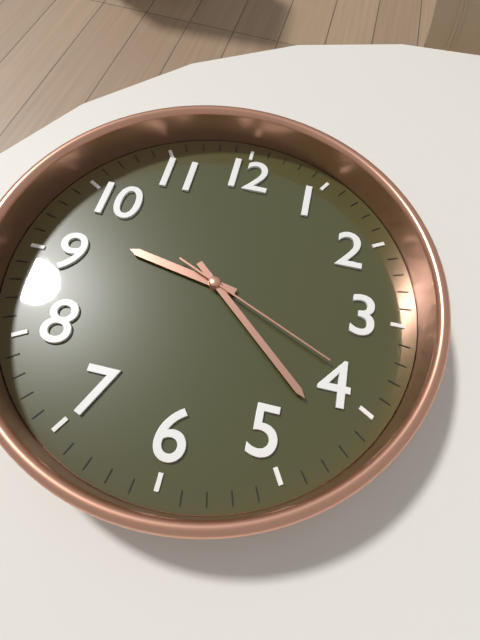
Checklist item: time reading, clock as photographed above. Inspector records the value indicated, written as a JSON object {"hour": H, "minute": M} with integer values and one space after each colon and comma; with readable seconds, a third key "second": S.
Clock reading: {"hour": 9, "minute": 22, "second": 19}
